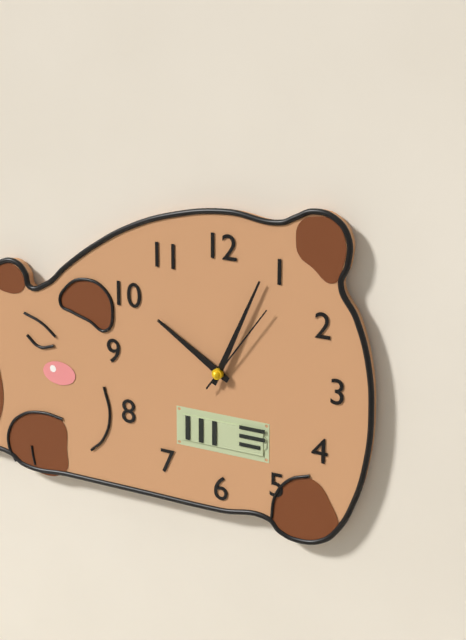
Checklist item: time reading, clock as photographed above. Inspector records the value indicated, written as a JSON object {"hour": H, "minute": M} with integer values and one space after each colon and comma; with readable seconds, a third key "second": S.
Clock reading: {"hour": 10, "minute": 4, "second": 6}
